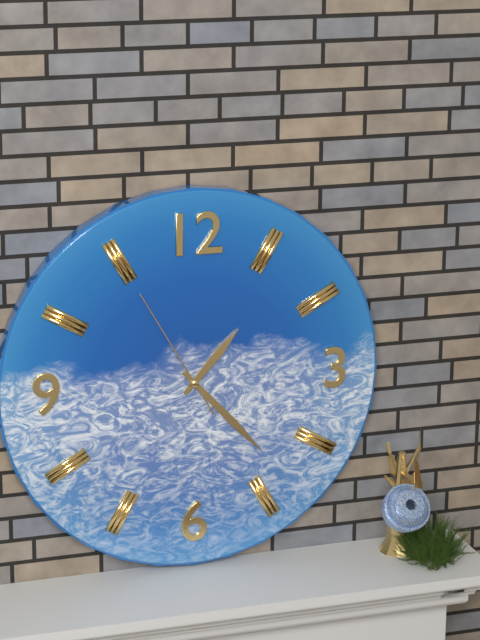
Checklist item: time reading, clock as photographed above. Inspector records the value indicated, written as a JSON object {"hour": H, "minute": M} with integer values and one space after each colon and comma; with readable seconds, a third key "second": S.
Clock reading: {"hour": 1, "minute": 23, "second": 55}
